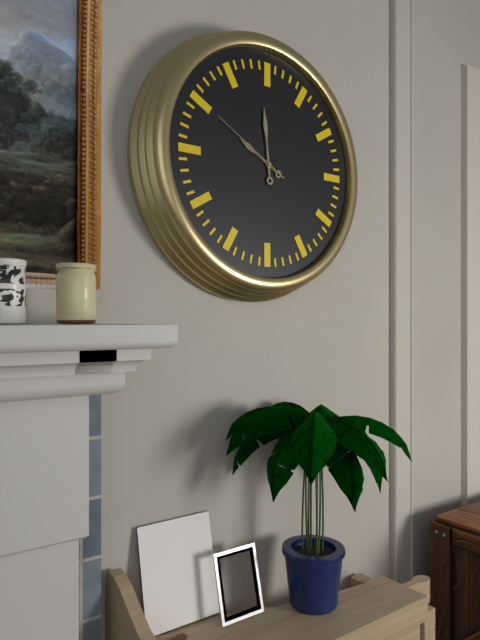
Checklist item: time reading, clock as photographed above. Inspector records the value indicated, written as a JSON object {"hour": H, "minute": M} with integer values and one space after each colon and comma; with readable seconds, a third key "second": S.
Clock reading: {"hour": 9, "minute": 59, "second": 50}
